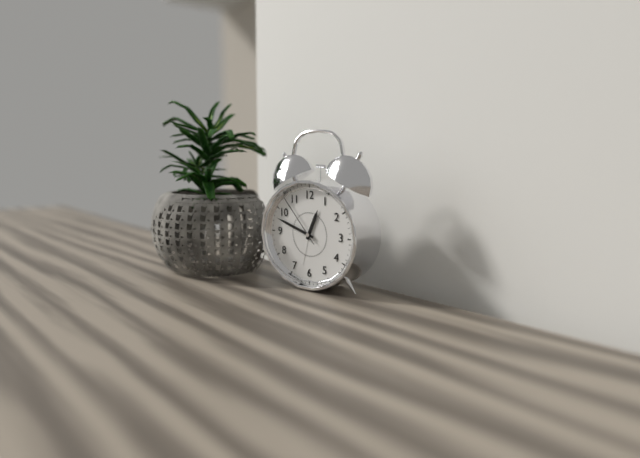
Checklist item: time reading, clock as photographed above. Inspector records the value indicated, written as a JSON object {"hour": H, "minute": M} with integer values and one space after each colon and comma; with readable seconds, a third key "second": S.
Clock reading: {"hour": 12, "minute": 48, "second": 53}
